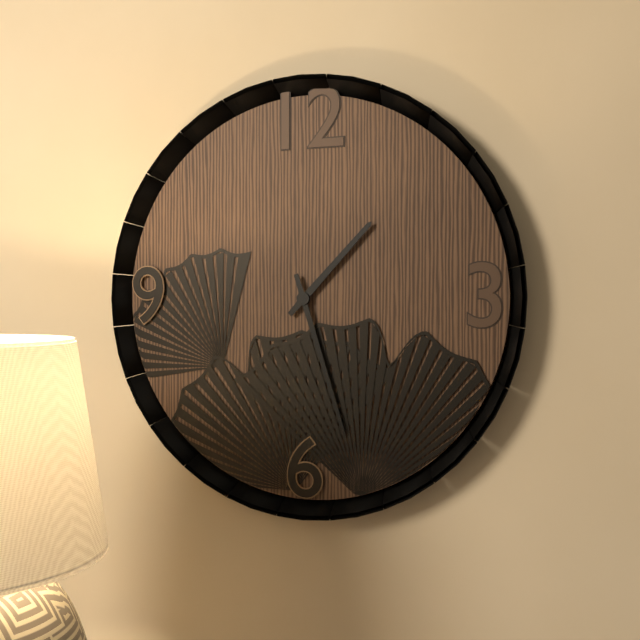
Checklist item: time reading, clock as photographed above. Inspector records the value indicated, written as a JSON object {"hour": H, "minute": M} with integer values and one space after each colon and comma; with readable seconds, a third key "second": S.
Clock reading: {"hour": 1, "minute": 27}
